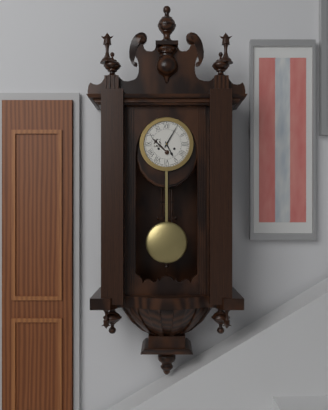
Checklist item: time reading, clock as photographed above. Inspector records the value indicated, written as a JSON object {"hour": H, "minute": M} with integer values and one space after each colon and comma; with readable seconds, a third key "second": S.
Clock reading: {"hour": 5, "minute": 5}
